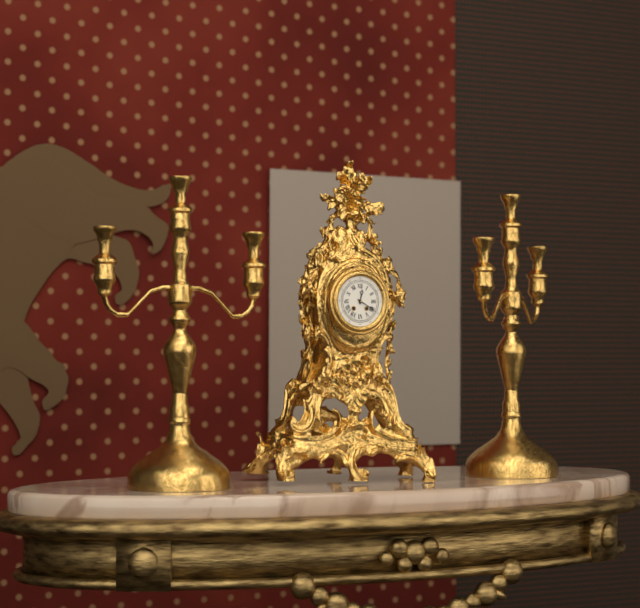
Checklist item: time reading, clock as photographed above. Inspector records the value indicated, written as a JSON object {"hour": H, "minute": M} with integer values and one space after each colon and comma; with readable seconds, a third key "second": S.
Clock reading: {"hour": 12, "minute": 20}
